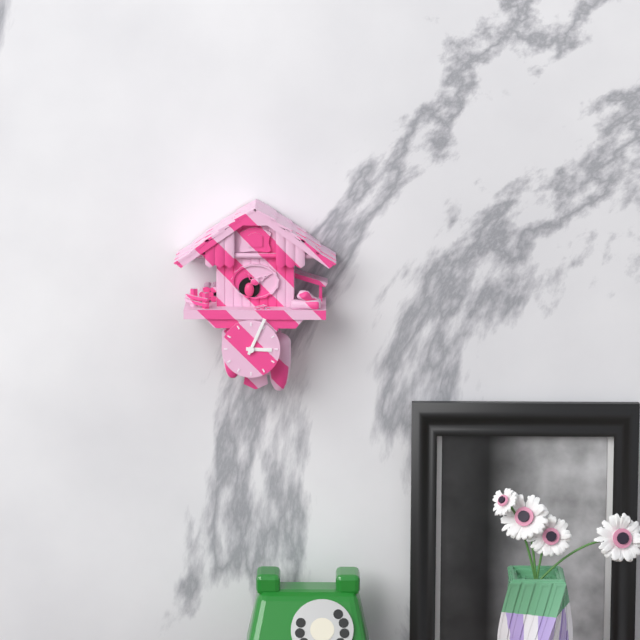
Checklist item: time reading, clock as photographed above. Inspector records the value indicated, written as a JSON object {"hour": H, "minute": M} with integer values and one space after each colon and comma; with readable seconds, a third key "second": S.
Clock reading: {"hour": 3, "minute": 4}
